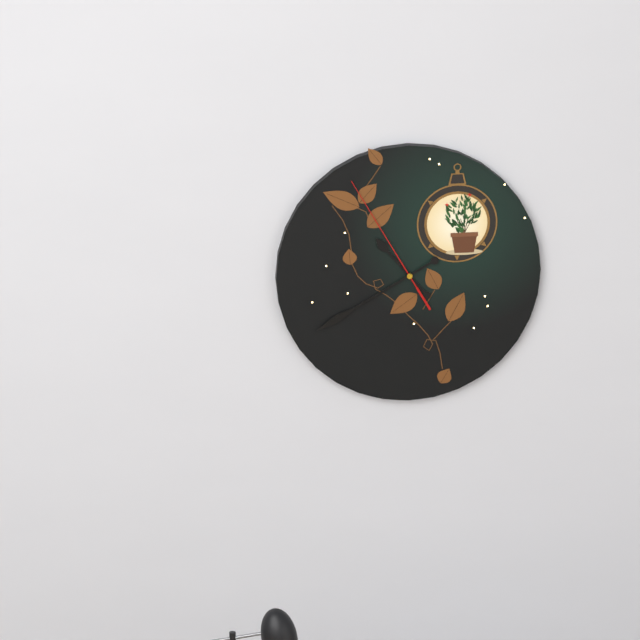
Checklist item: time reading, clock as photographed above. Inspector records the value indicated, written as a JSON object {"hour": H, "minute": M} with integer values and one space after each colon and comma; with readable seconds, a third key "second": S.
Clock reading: {"hour": 10, "minute": 40, "second": 55}
